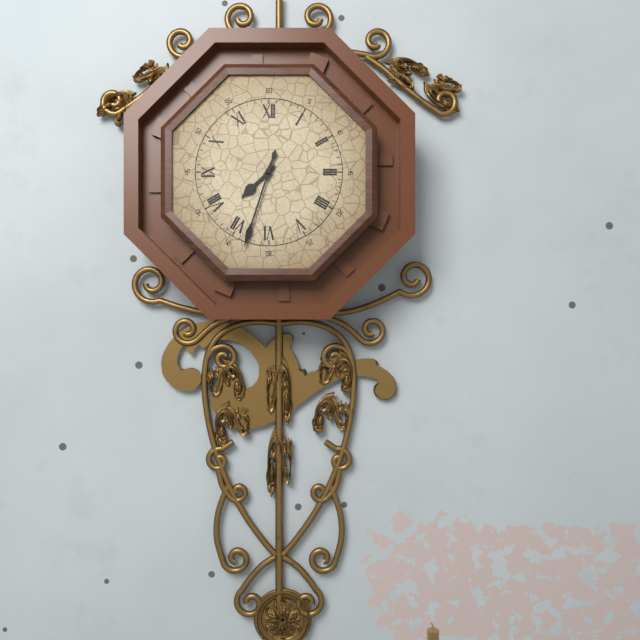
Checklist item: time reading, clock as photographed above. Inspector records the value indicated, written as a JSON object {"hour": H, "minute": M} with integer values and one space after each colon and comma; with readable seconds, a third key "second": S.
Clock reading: {"hour": 7, "minute": 33}
